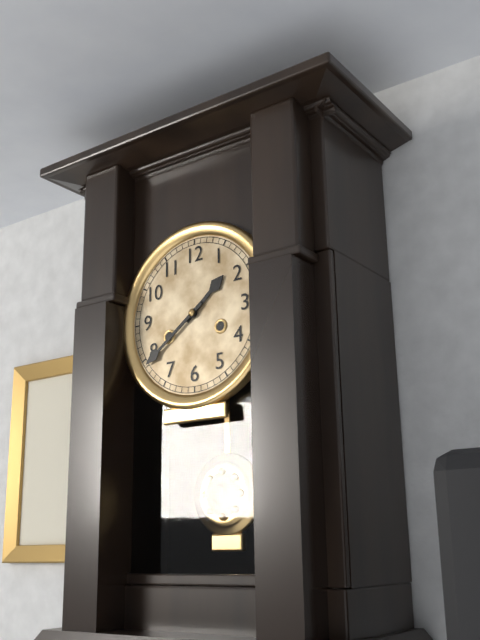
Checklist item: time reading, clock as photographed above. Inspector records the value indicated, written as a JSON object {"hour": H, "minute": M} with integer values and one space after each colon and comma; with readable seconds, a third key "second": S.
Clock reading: {"hour": 1, "minute": 39}
